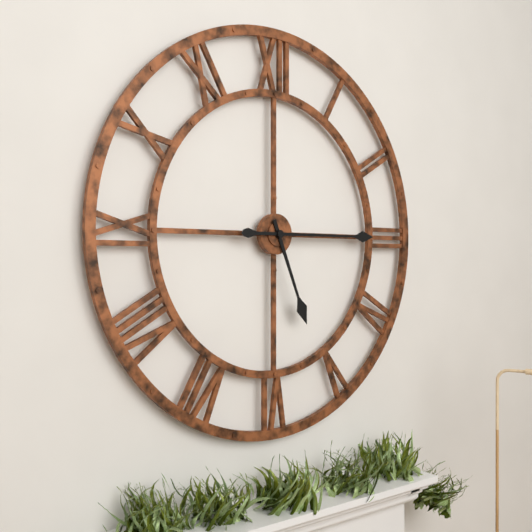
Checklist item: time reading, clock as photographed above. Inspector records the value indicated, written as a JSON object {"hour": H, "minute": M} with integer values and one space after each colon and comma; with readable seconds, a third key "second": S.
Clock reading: {"hour": 5, "minute": 15}
